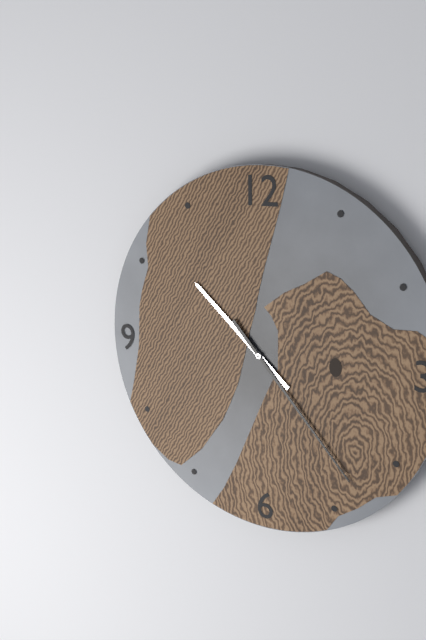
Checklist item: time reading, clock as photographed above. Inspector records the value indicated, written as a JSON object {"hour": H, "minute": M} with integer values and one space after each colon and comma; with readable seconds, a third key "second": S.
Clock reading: {"hour": 10, "minute": 23}
